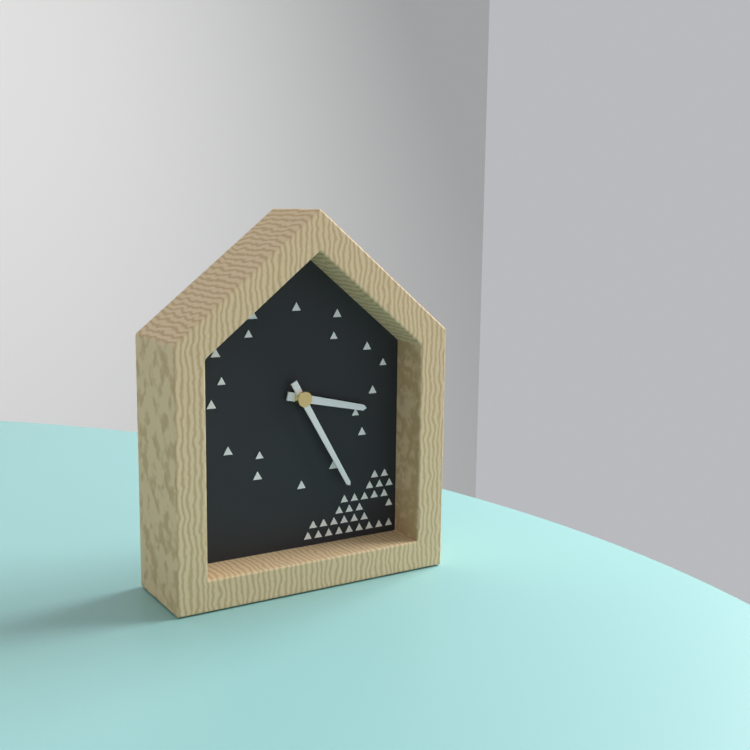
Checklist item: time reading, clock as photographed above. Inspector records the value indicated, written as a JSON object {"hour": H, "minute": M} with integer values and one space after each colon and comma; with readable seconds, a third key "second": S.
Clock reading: {"hour": 3, "minute": 25}
